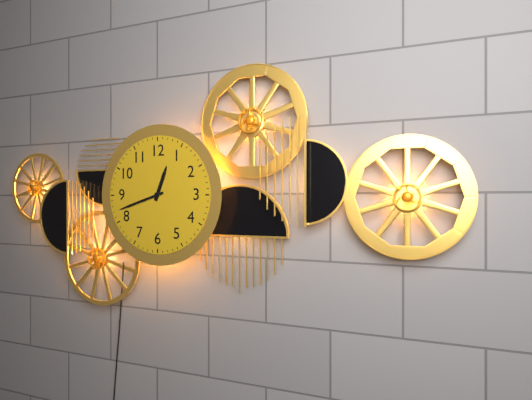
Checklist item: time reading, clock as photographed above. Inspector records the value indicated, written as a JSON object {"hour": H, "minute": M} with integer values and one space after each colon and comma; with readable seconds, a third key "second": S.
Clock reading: {"hour": 12, "minute": 42}
